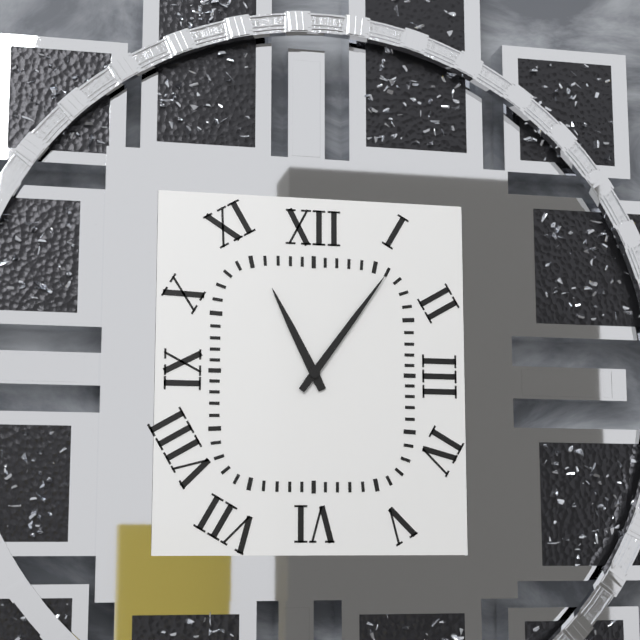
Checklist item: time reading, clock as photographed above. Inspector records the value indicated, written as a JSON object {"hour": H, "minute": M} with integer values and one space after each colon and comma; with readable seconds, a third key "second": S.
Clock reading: {"hour": 11, "minute": 6}
